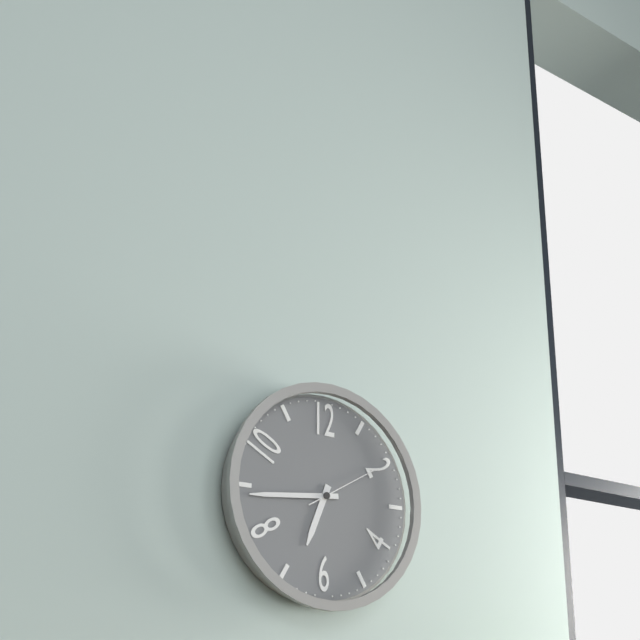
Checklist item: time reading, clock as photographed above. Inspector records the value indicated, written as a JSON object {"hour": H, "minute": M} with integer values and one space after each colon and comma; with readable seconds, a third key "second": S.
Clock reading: {"hour": 6, "minute": 44, "second": 10}
